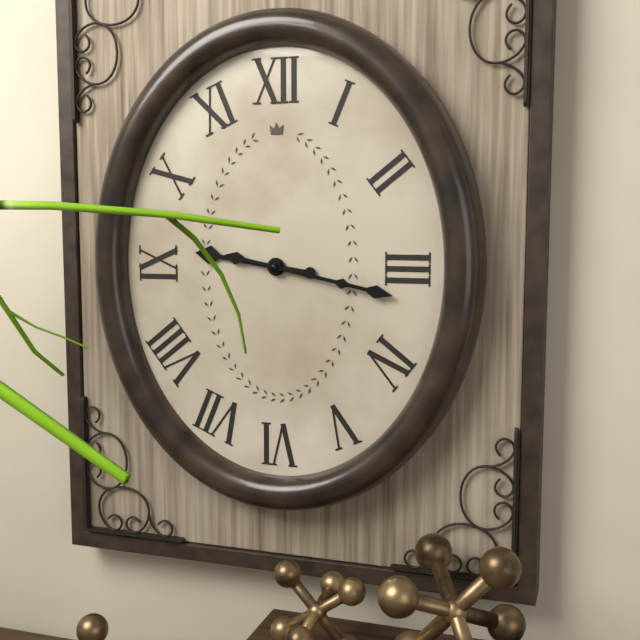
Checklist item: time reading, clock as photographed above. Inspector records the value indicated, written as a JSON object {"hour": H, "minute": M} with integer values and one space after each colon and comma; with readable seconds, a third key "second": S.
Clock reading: {"hour": 9, "minute": 17}
